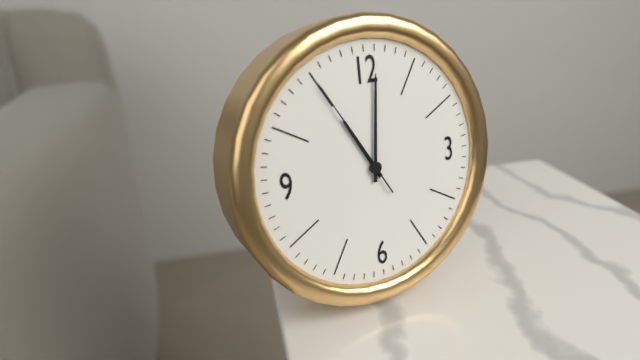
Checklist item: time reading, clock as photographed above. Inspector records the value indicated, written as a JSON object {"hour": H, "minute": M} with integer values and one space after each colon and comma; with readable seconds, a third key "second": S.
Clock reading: {"hour": 11, "minute": 1, "second": 55}
